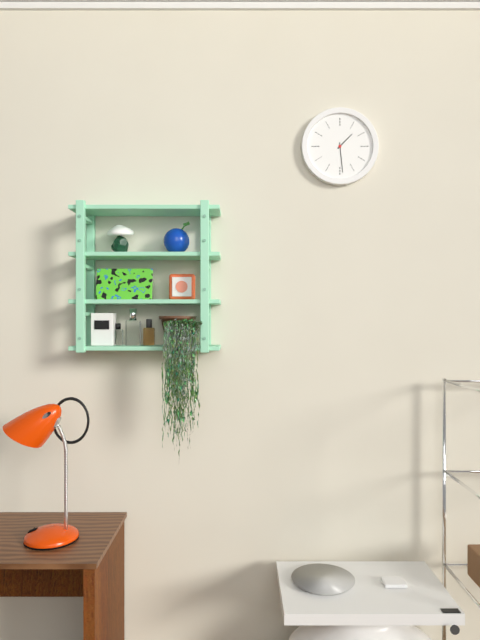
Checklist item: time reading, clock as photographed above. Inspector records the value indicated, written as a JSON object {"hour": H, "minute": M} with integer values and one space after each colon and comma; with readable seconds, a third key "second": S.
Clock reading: {"hour": 1, "minute": 29}
